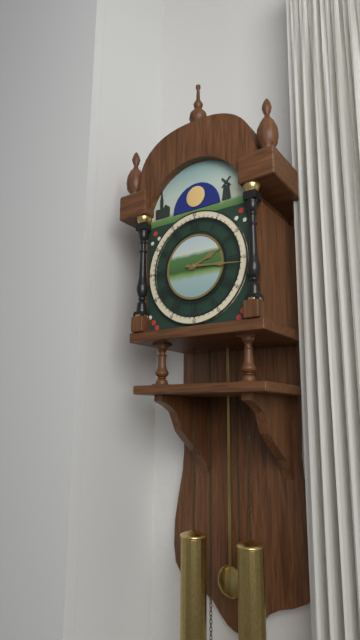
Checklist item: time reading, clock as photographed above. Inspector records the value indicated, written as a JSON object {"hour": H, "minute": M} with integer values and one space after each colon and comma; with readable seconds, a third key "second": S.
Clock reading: {"hour": 2, "minute": 16}
